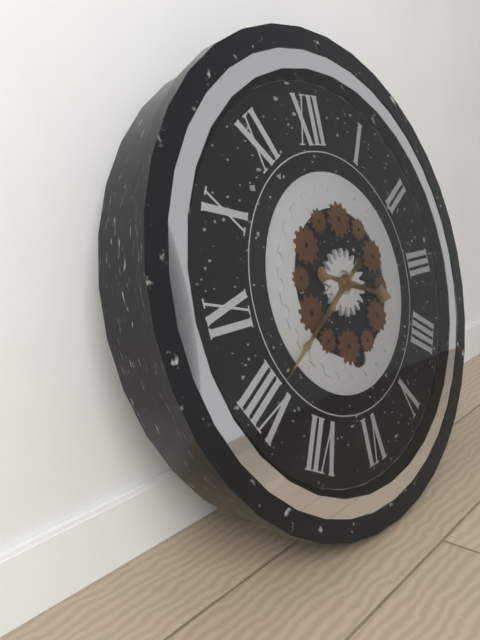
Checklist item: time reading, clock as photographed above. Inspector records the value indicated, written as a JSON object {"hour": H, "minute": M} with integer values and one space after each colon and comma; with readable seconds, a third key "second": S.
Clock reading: {"hour": 3, "minute": 40}
